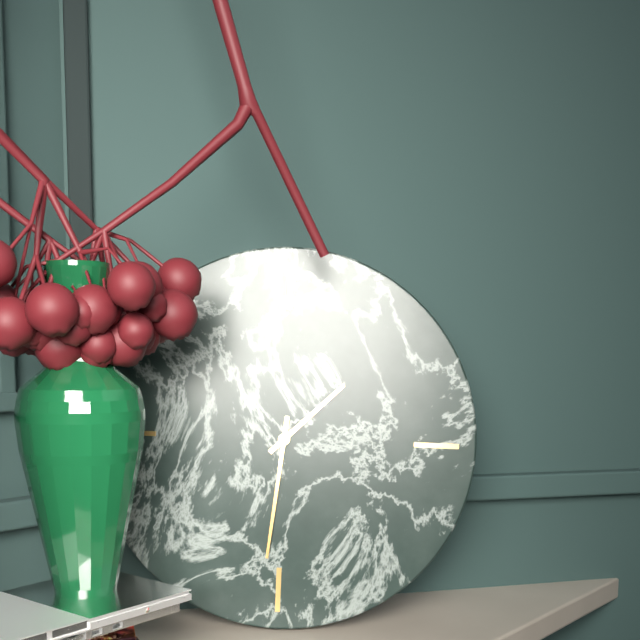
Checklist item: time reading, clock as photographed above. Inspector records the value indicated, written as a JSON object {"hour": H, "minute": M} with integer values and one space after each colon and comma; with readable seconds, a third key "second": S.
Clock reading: {"hour": 1, "minute": 31}
